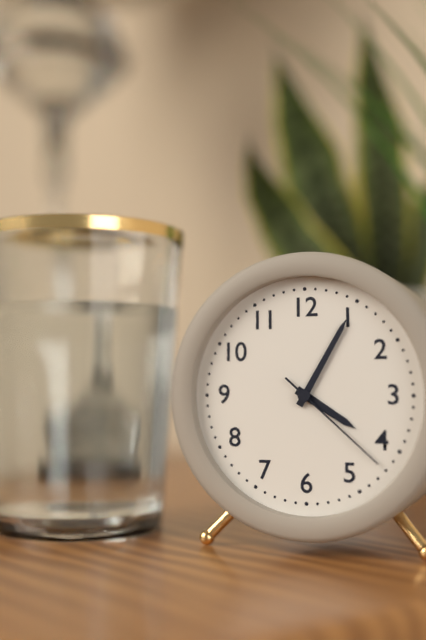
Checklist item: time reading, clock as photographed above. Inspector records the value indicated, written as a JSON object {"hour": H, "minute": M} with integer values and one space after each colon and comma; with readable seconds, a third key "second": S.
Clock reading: {"hour": 4, "minute": 5, "second": 22}
